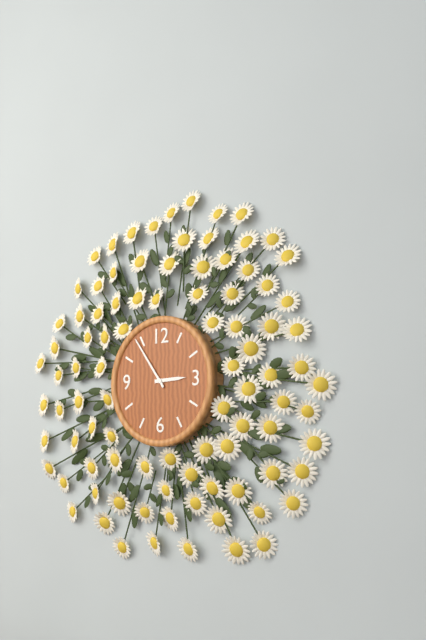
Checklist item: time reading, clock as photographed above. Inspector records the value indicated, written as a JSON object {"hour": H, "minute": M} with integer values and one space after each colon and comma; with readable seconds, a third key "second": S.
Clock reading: {"hour": 2, "minute": 54}
